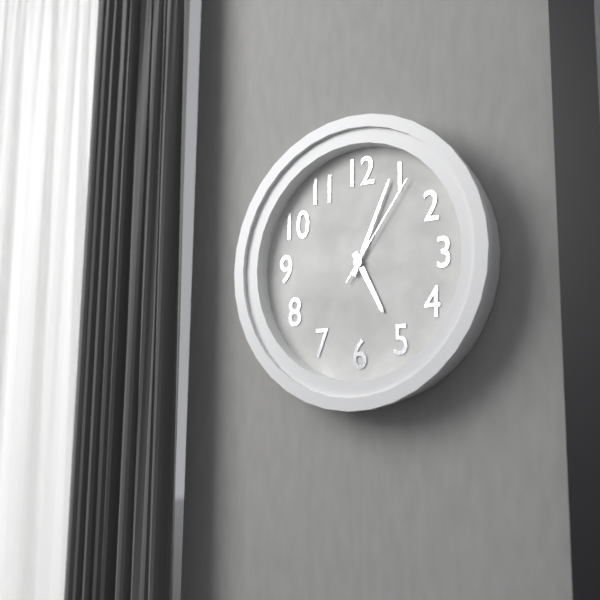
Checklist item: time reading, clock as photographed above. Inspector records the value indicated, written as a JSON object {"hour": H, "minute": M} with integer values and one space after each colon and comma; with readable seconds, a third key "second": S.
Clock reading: {"hour": 5, "minute": 4, "second": 6}
